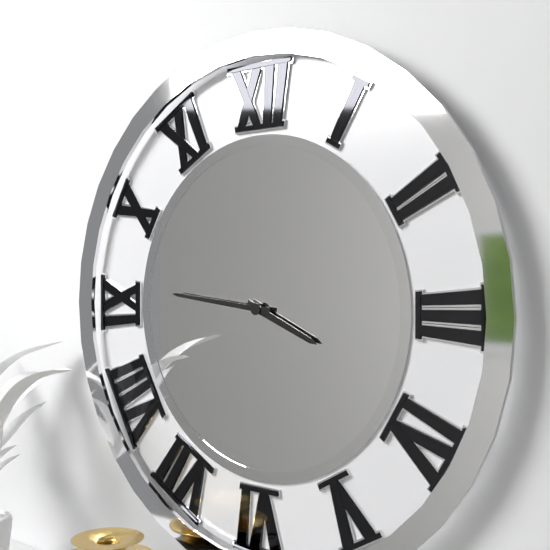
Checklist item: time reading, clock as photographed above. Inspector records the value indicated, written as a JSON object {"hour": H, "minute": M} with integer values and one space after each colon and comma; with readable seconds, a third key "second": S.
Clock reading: {"hour": 3, "minute": 46}
